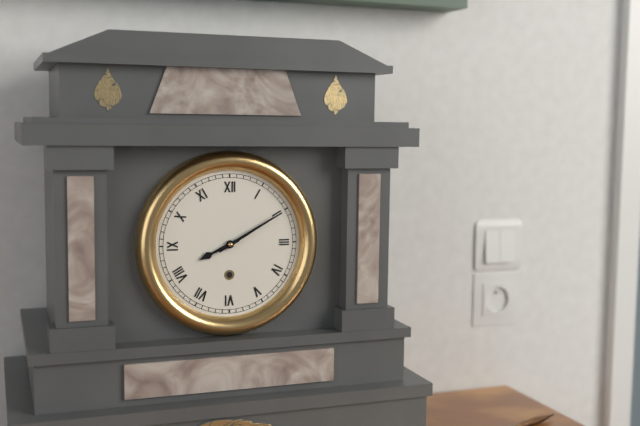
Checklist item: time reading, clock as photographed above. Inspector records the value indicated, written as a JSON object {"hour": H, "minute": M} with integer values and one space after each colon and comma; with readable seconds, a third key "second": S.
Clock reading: {"hour": 8, "minute": 10}
